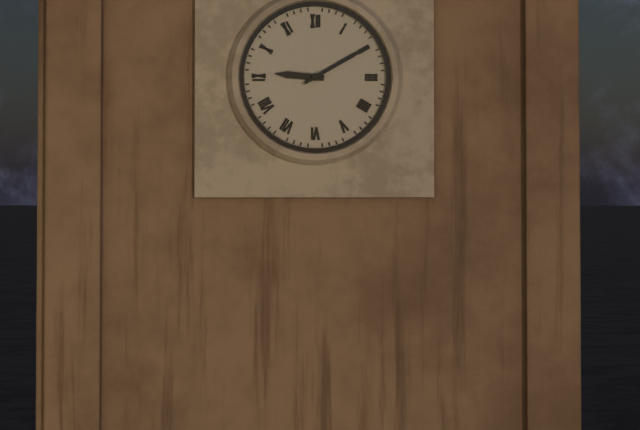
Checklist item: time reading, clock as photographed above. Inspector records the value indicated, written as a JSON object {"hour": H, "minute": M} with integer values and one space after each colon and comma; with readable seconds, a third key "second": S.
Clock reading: {"hour": 9, "minute": 10}
